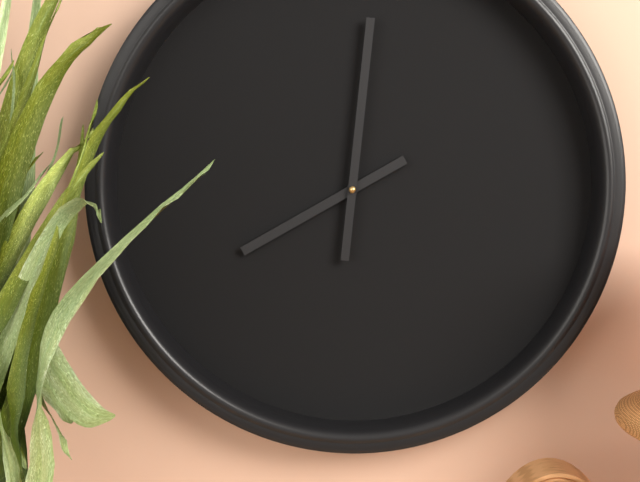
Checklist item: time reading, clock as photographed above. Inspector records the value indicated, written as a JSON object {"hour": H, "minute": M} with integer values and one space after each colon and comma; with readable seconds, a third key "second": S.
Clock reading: {"hour": 8, "minute": 1}
